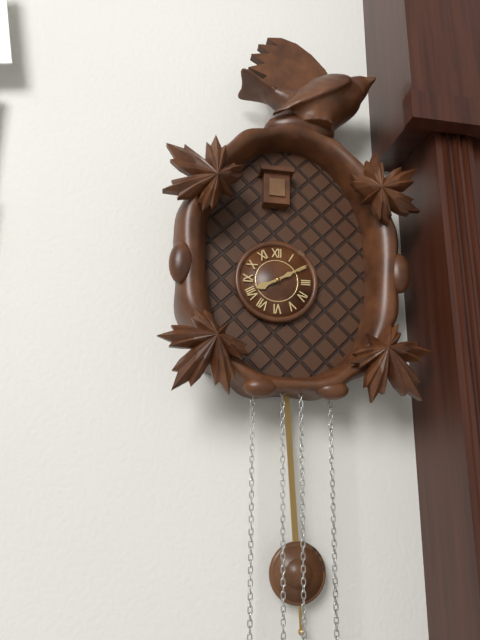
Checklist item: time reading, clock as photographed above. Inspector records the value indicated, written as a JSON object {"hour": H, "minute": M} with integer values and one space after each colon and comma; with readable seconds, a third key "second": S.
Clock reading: {"hour": 8, "minute": 10}
